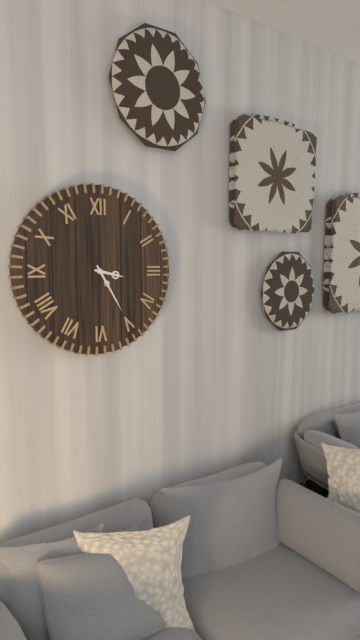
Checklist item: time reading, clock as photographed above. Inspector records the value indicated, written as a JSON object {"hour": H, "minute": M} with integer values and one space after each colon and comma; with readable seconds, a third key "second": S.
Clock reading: {"hour": 3, "minute": 25}
